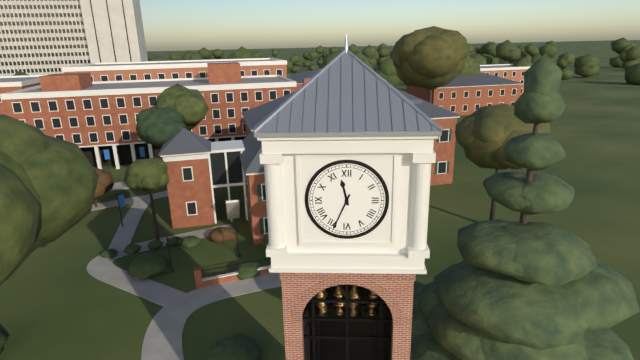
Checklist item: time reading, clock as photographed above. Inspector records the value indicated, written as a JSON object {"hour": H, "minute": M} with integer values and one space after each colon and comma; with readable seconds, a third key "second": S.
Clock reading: {"hour": 11, "minute": 34}
